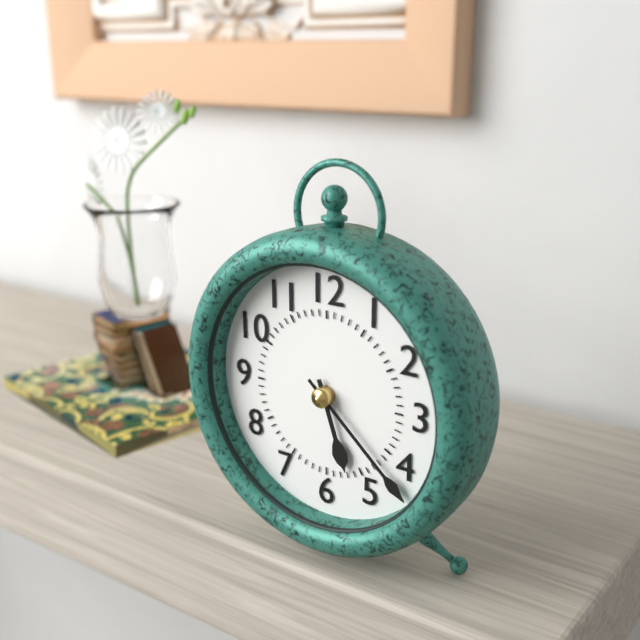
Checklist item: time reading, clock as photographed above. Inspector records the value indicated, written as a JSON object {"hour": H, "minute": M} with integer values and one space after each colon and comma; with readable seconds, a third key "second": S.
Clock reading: {"hour": 5, "minute": 22}
